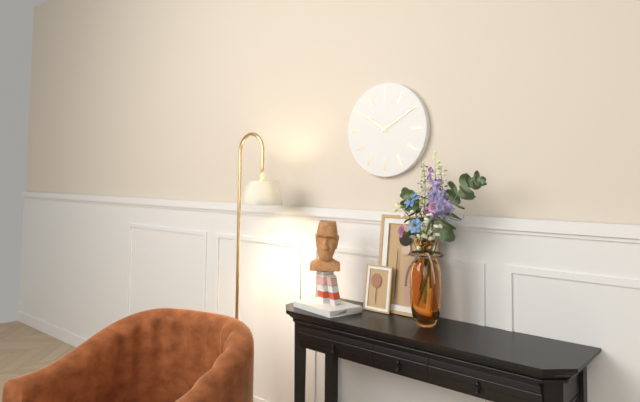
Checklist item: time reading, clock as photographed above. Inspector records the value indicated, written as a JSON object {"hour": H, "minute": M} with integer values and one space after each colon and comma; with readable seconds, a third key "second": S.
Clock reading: {"hour": 10, "minute": 10}
